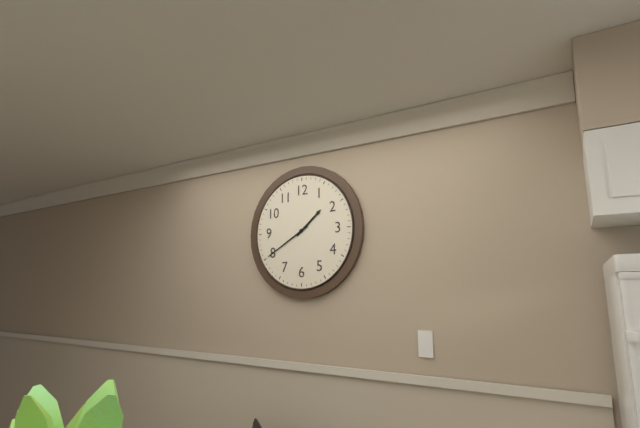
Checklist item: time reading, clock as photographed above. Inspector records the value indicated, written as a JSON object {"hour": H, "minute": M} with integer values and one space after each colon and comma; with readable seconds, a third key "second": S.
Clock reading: {"hour": 1, "minute": 40}
